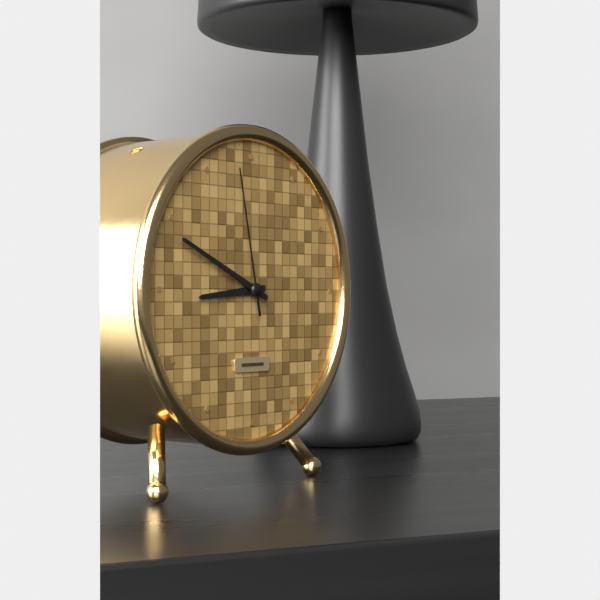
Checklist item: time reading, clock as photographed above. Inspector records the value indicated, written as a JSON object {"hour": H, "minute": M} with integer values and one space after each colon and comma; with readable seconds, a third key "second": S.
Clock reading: {"hour": 8, "minute": 49, "second": 58}
